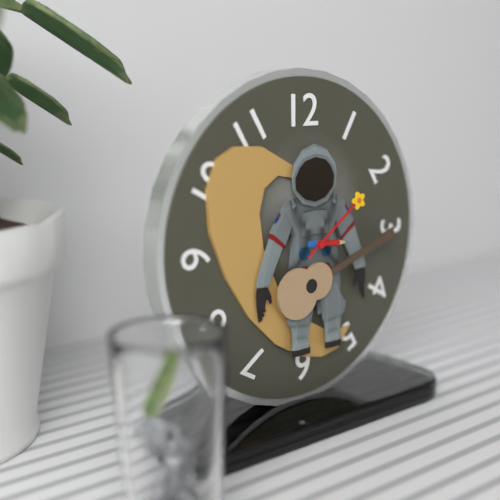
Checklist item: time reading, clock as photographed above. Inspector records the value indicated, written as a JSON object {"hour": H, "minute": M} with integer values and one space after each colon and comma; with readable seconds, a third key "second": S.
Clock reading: {"hour": 3, "minute": 9}
